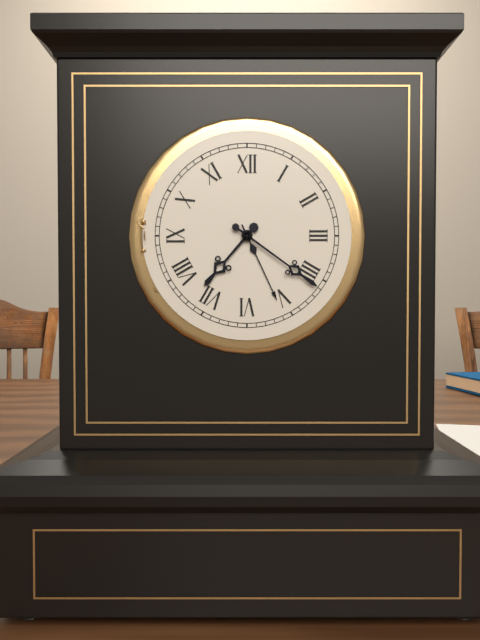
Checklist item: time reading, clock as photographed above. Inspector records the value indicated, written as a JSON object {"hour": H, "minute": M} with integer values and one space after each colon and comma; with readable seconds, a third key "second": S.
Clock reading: {"hour": 7, "minute": 21}
